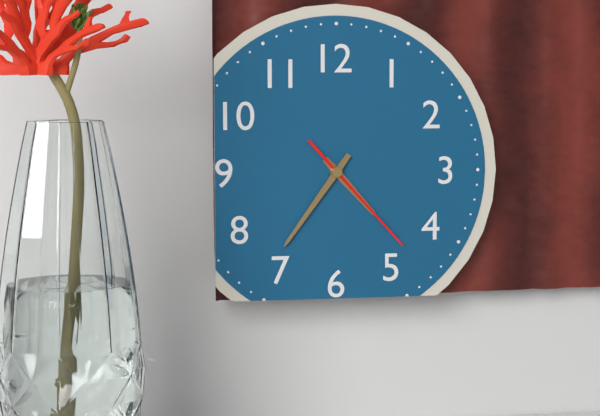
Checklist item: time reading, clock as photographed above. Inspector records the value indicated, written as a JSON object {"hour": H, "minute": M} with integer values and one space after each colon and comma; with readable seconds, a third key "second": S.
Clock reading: {"hour": 4, "minute": 36, "second": 23}
